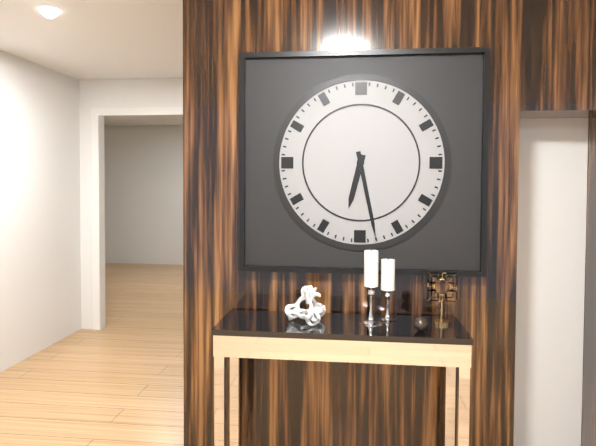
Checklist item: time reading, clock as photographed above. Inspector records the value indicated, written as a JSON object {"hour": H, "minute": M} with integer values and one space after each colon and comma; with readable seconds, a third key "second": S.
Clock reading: {"hour": 6, "minute": 28}
